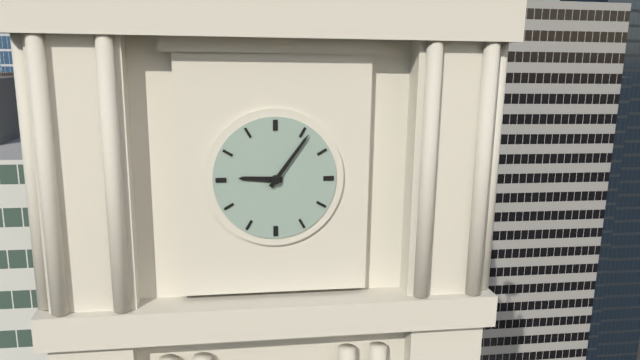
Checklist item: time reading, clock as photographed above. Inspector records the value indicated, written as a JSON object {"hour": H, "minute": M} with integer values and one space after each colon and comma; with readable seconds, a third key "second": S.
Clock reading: {"hour": 9, "minute": 6}
